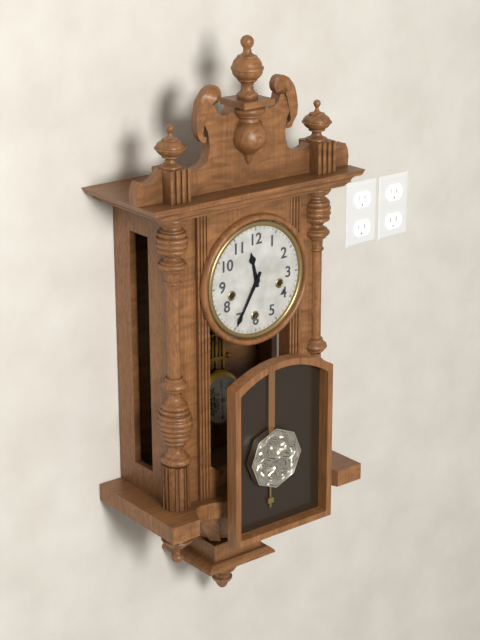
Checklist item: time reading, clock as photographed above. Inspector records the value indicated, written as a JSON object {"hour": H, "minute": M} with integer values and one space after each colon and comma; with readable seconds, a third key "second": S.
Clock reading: {"hour": 11, "minute": 35}
